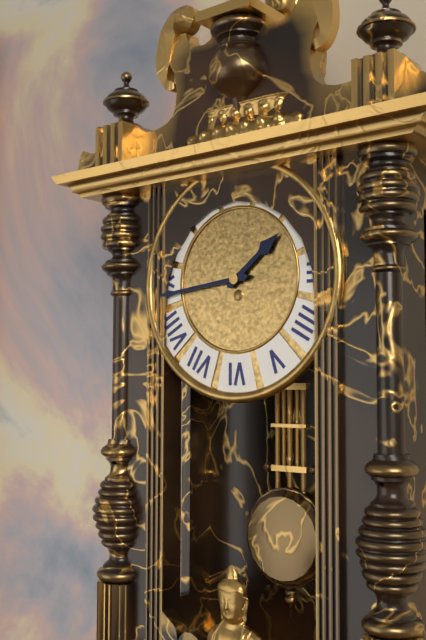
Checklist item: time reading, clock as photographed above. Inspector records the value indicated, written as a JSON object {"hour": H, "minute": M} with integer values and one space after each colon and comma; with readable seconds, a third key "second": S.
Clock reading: {"hour": 1, "minute": 44}
